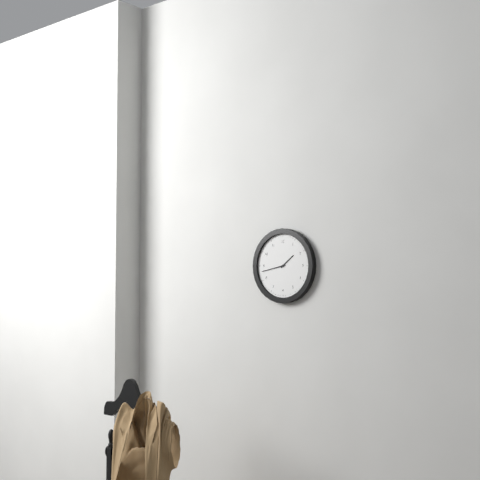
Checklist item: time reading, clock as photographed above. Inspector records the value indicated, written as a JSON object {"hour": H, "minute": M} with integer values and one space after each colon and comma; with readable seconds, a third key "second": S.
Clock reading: {"hour": 1, "minute": 43}
